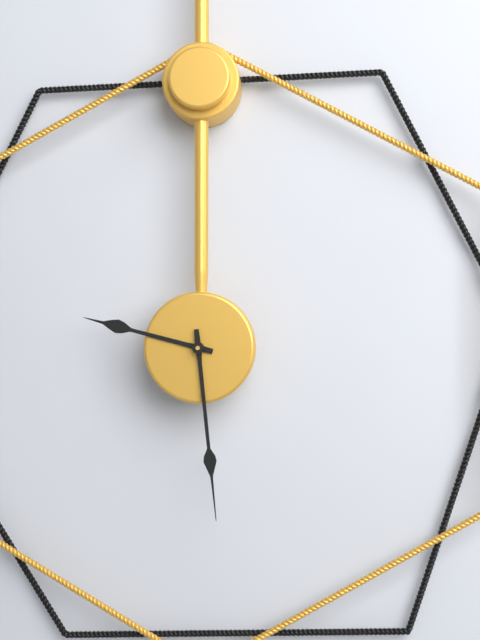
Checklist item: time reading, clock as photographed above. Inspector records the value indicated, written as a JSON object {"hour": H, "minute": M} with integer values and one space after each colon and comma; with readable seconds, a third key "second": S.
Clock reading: {"hour": 9, "minute": 29}
